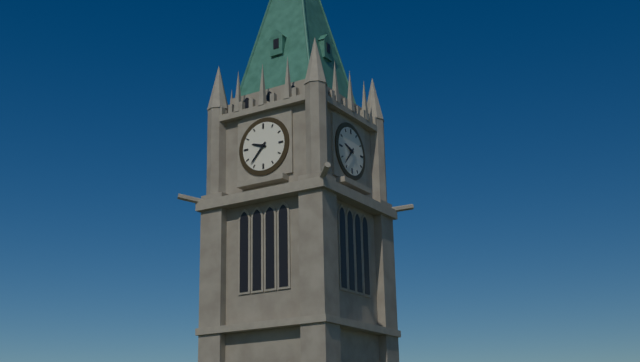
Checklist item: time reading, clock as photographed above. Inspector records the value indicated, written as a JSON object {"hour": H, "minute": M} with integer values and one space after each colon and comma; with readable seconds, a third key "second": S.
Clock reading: {"hour": 9, "minute": 37}
